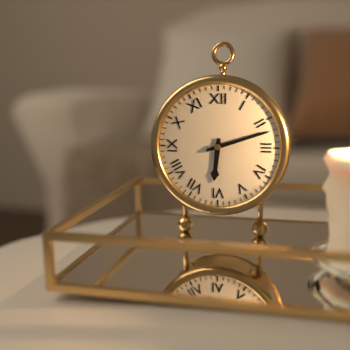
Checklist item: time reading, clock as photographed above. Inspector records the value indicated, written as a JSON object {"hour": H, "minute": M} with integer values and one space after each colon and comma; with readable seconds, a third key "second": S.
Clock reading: {"hour": 6, "minute": 12}
